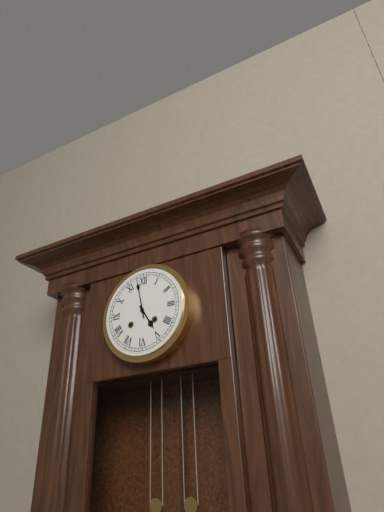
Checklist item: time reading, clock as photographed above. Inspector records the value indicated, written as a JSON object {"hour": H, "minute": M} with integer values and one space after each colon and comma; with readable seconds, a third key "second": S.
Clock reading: {"hour": 4, "minute": 58}
